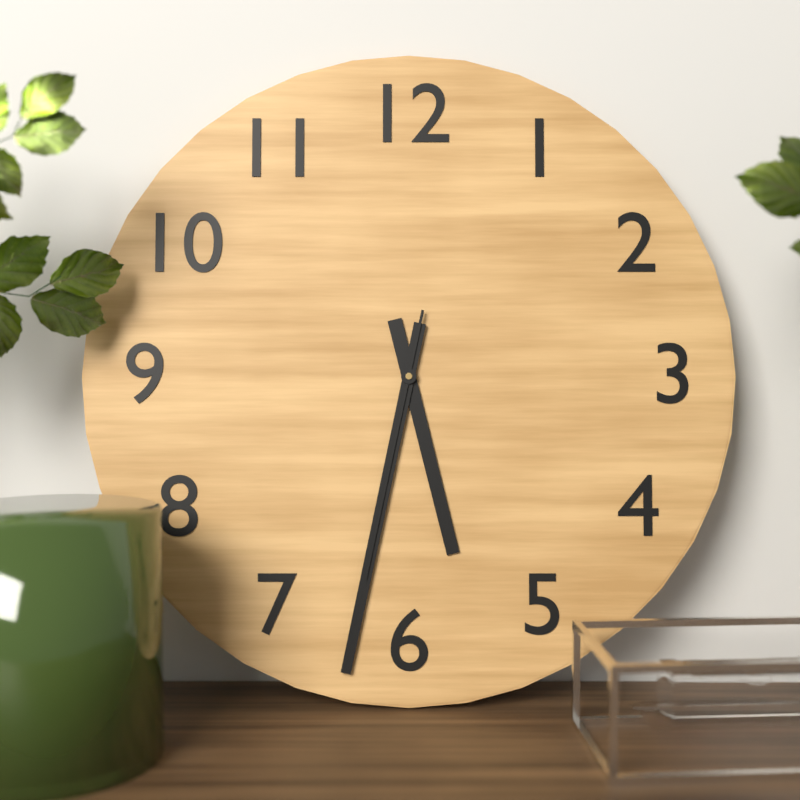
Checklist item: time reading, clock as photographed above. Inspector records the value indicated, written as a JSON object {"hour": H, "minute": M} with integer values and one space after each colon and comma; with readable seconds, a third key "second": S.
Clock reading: {"hour": 5, "minute": 32, "second": 32}
